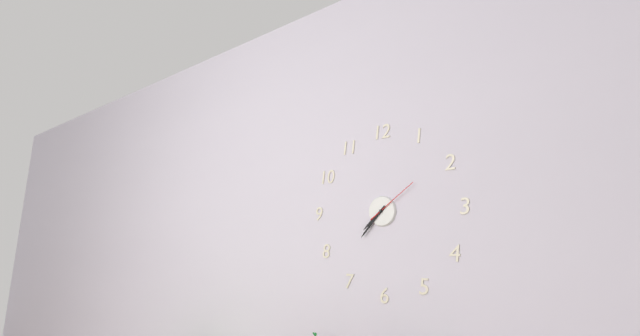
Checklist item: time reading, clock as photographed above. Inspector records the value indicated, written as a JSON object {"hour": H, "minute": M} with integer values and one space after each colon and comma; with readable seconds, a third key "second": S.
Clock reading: {"hour": 7, "minute": 37, "second": 9}
